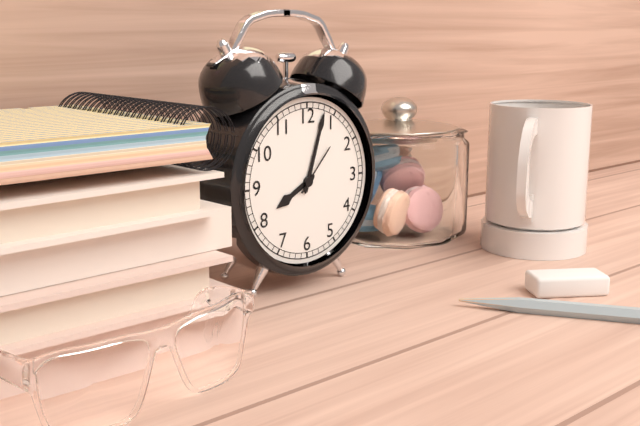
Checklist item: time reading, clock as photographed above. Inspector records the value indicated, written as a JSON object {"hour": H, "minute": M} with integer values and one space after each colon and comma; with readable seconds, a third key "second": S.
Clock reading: {"hour": 8, "minute": 3, "second": 7}
